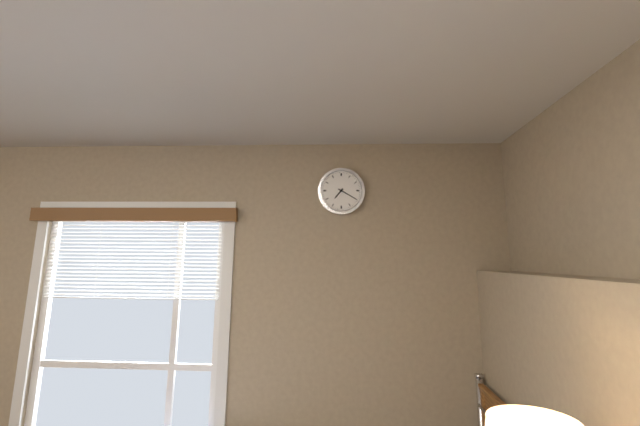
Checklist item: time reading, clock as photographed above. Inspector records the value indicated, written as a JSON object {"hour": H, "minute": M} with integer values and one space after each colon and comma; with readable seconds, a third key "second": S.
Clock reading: {"hour": 7, "minute": 20}
